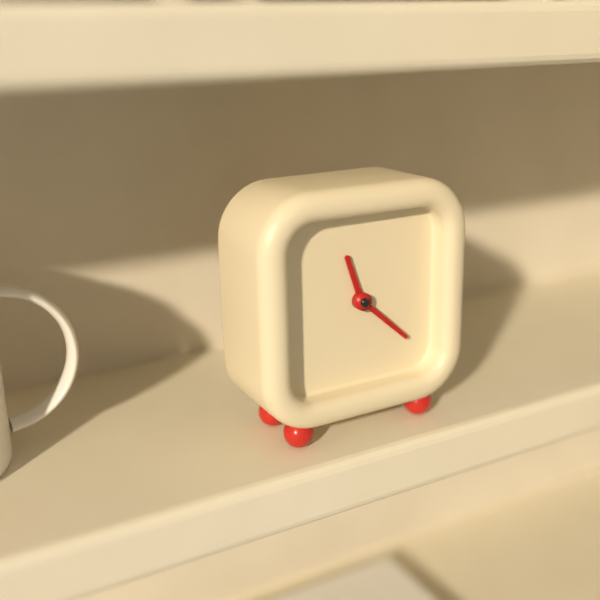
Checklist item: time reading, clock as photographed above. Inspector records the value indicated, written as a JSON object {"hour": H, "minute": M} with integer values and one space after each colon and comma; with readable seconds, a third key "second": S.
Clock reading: {"hour": 11, "minute": 22}
